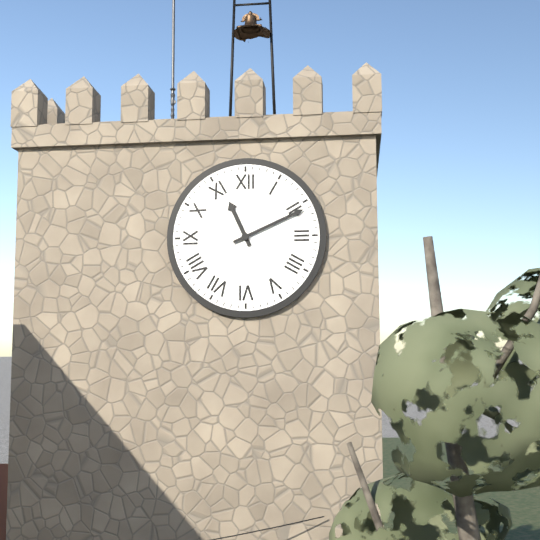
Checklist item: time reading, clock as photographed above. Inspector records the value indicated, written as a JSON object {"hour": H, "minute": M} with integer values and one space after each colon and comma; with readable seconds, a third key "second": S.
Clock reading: {"hour": 11, "minute": 11}
